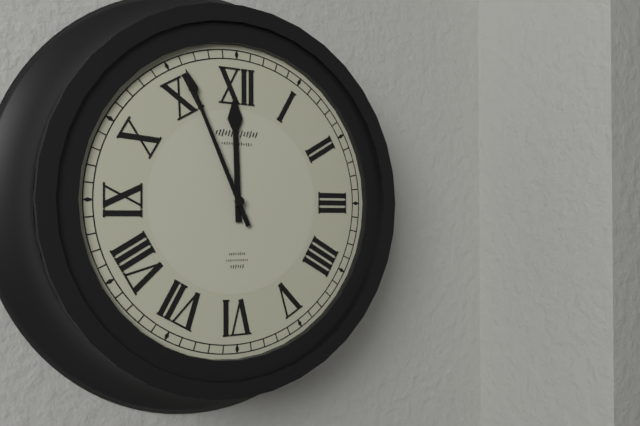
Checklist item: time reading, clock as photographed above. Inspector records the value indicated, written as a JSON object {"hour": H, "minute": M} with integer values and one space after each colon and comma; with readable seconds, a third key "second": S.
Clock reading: {"hour": 11, "minute": 56}
